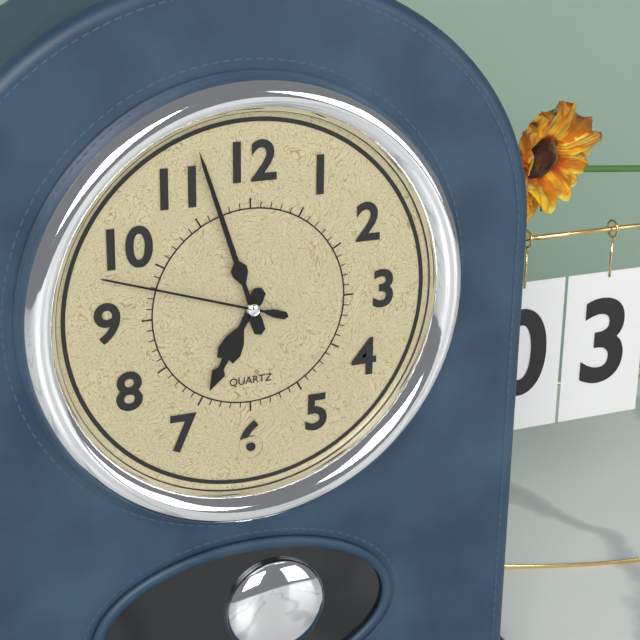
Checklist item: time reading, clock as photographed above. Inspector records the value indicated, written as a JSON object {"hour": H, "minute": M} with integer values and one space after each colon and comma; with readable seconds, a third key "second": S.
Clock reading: {"hour": 6, "minute": 57, "second": 48}
